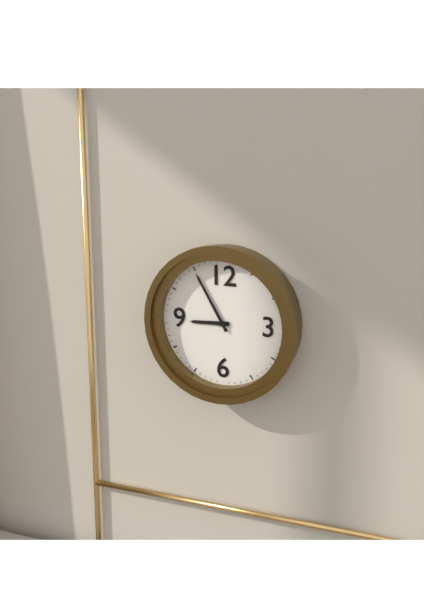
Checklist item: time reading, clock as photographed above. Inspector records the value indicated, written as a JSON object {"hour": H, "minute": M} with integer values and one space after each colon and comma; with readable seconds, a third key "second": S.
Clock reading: {"hour": 8, "minute": 55}
